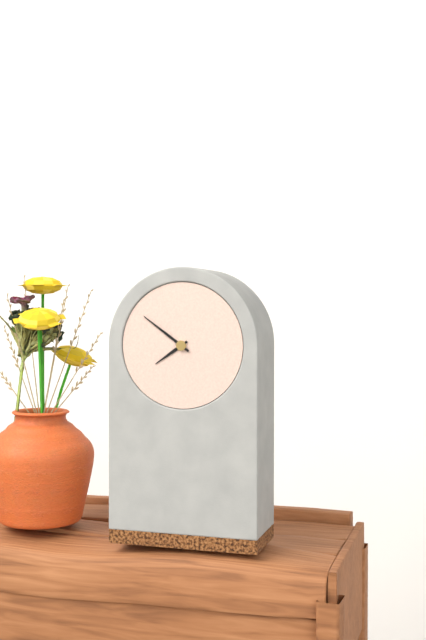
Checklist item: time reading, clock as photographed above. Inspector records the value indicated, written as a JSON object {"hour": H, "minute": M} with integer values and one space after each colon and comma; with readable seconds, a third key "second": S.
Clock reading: {"hour": 7, "minute": 51}
